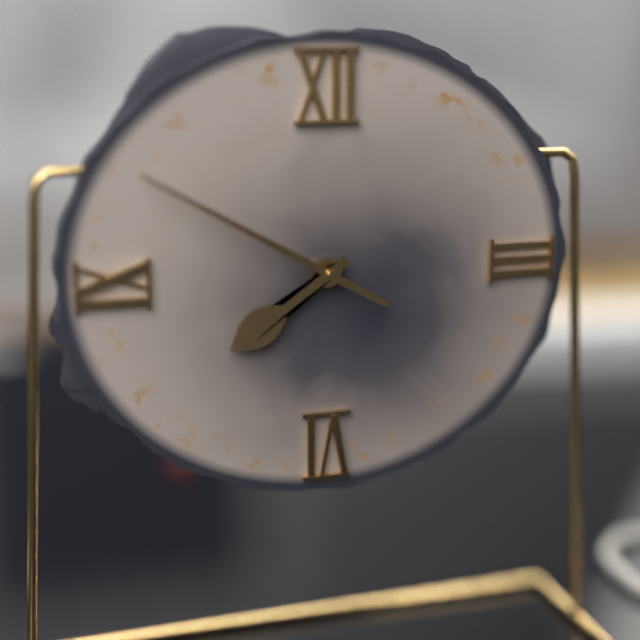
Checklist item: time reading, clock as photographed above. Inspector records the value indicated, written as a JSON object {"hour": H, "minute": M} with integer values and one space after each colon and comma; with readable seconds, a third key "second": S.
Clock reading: {"hour": 7, "minute": 50}
